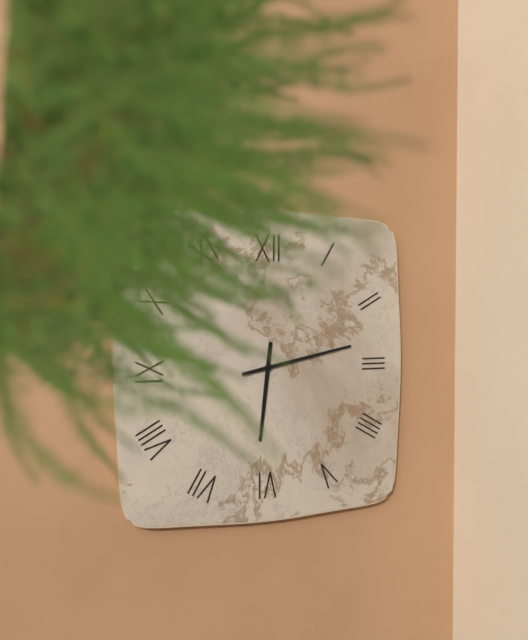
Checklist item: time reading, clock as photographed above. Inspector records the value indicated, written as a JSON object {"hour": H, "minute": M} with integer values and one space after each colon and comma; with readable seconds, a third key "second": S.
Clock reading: {"hour": 6, "minute": 13}
